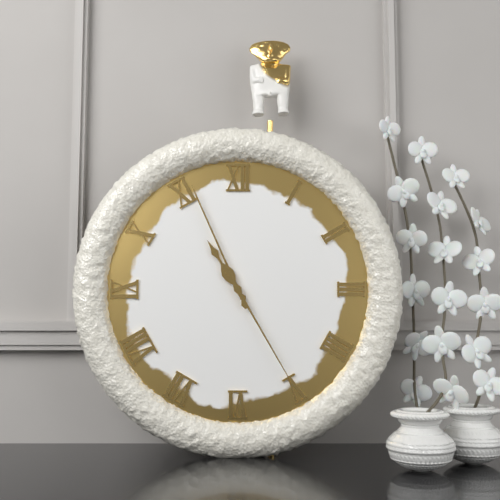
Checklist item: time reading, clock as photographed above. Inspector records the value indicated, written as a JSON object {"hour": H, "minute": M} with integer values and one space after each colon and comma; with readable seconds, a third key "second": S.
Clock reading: {"hour": 10, "minute": 56, "second": 25}
